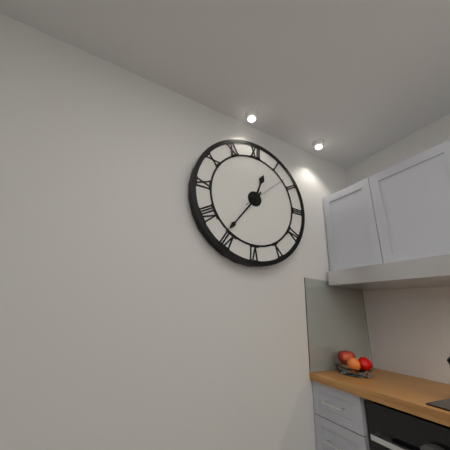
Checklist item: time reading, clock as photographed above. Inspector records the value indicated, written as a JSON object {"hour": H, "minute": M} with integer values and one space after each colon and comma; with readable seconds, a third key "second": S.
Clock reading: {"hour": 12, "minute": 36}
